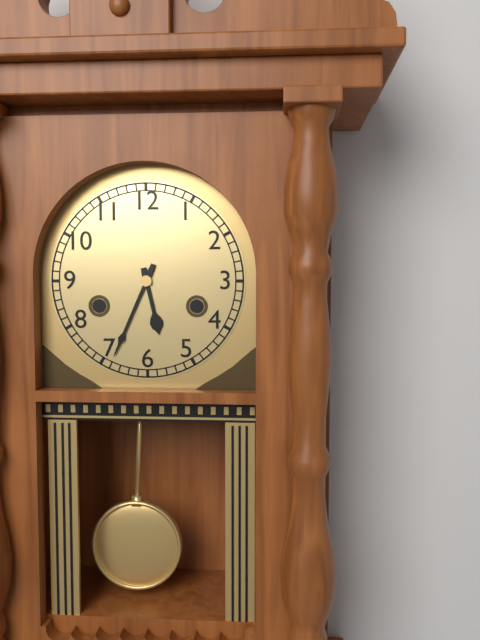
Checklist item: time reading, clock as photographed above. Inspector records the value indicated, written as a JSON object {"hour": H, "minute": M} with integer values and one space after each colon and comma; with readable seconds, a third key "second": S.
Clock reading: {"hour": 5, "minute": 34}
